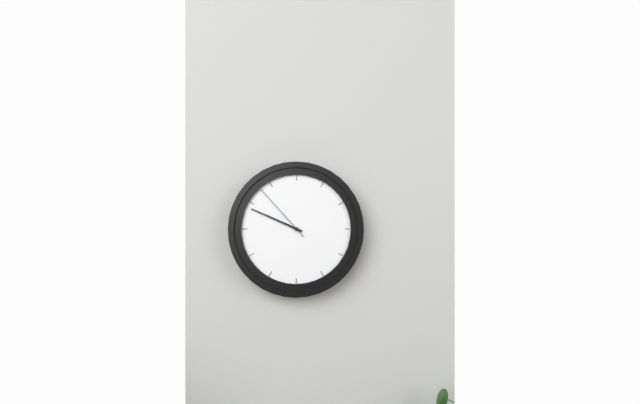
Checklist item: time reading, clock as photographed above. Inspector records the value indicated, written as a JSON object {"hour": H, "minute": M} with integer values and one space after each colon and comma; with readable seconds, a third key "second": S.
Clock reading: {"hour": 9, "minute": 49, "second": 53}
